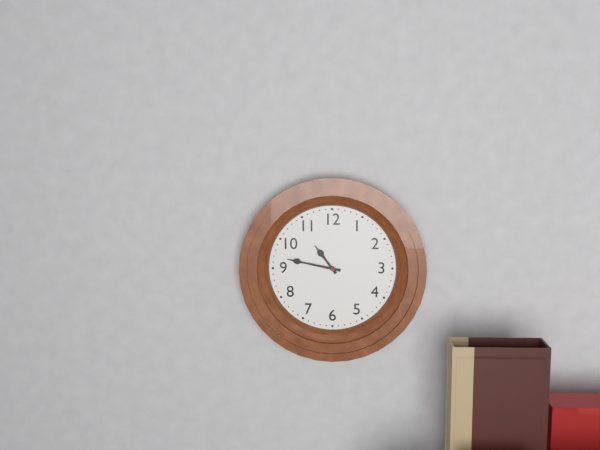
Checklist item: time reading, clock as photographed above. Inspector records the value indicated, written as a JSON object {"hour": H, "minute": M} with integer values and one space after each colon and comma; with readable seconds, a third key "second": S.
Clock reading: {"hour": 10, "minute": 47}
